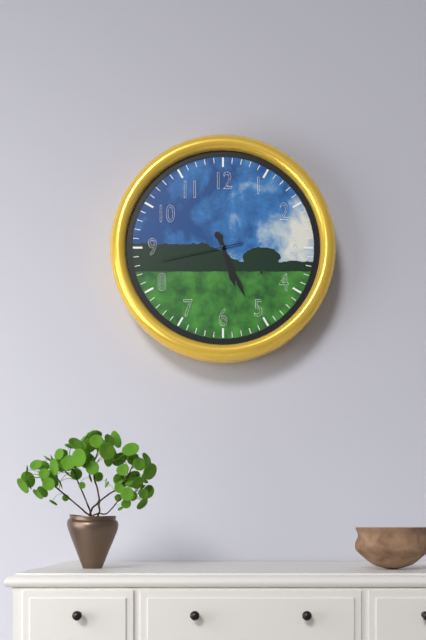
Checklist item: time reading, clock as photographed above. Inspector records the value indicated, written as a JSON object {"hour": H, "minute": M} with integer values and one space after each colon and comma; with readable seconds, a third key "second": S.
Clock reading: {"hour": 5, "minute": 26, "second": 43}
